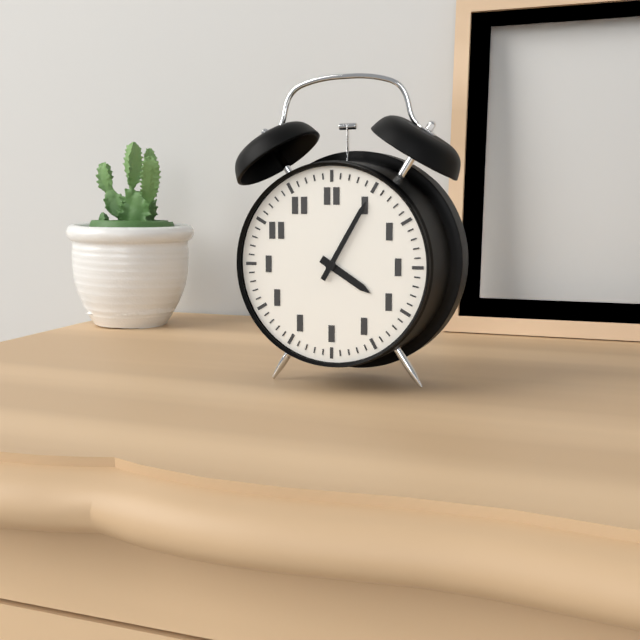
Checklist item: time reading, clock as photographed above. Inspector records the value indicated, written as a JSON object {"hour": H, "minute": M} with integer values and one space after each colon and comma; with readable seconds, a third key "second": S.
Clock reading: {"hour": 4, "minute": 5}
